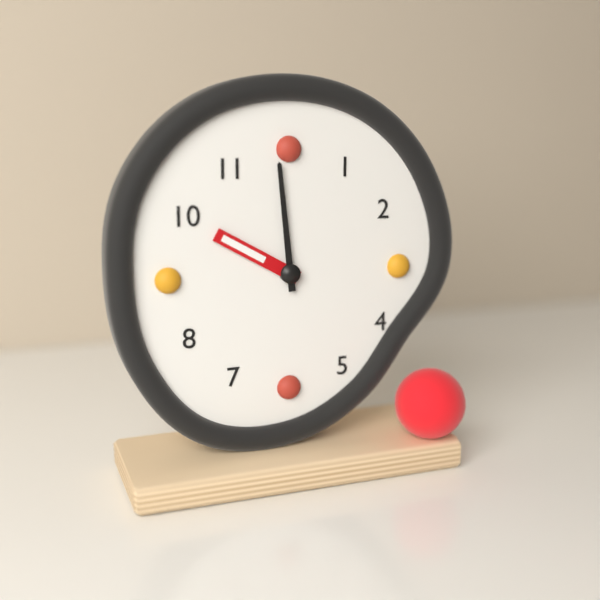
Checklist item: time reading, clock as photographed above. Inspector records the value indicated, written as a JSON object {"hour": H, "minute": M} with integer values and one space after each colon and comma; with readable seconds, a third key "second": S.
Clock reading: {"hour": 9, "minute": 59}
